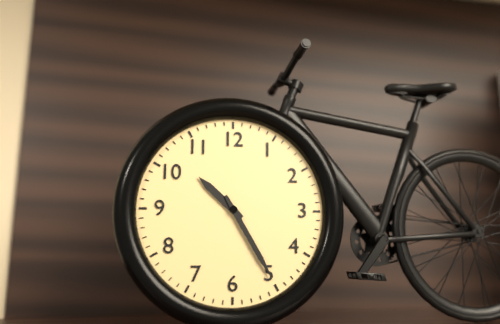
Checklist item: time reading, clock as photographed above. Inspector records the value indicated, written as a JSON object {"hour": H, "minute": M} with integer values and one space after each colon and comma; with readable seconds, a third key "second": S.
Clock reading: {"hour": 10, "minute": 25}
